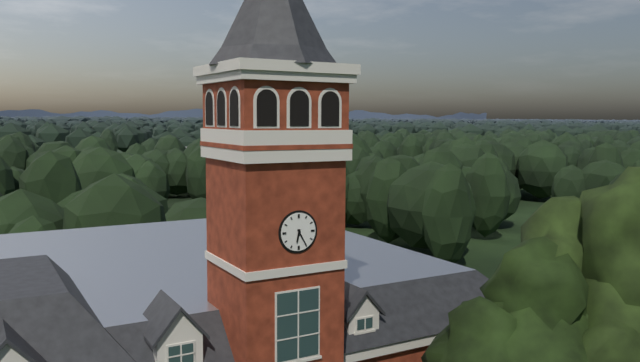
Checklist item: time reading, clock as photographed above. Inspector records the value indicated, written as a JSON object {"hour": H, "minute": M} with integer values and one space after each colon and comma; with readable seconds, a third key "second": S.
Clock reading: {"hour": 6, "minute": 25}
